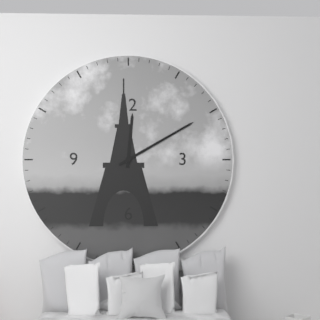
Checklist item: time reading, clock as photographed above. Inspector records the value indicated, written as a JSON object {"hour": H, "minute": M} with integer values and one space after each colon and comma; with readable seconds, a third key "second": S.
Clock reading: {"hour": 12, "minute": 10}
